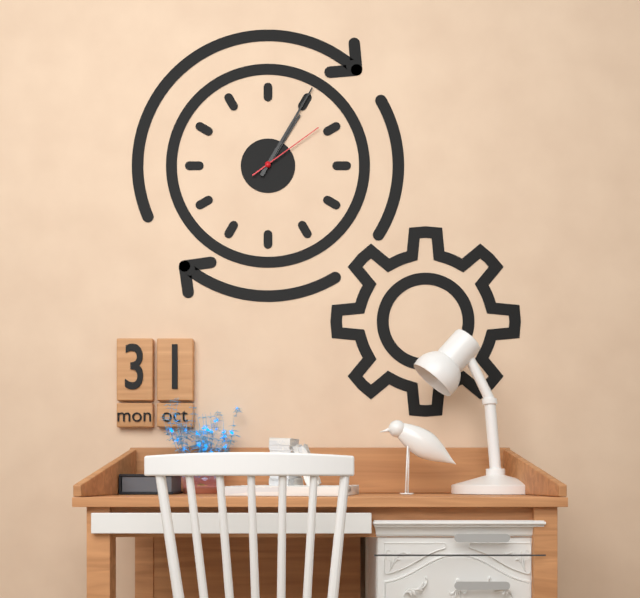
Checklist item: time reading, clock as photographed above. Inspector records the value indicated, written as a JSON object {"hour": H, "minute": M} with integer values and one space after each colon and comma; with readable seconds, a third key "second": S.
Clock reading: {"hour": 1, "minute": 5, "second": 9}
